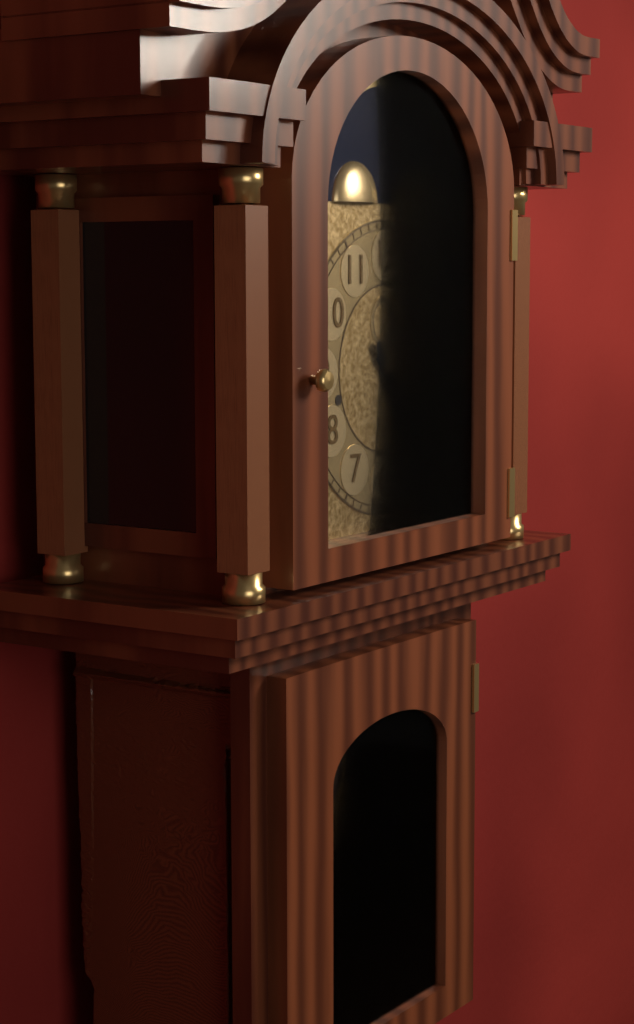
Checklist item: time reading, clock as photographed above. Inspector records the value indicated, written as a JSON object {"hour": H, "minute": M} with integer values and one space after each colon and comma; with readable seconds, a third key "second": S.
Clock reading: {"hour": 4, "minute": 24}
